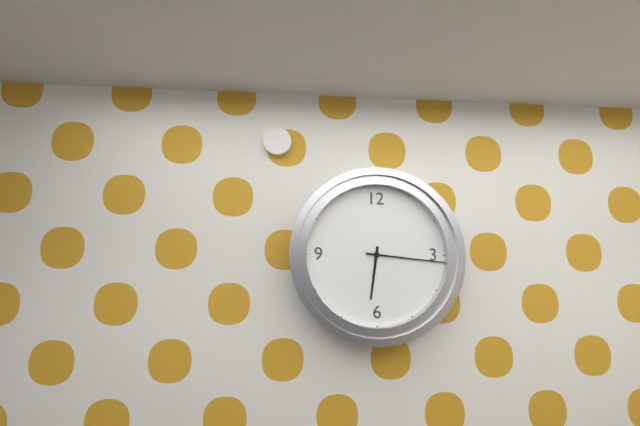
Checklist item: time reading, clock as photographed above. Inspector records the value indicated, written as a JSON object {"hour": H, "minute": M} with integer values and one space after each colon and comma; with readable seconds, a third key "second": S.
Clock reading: {"hour": 6, "minute": 16}
